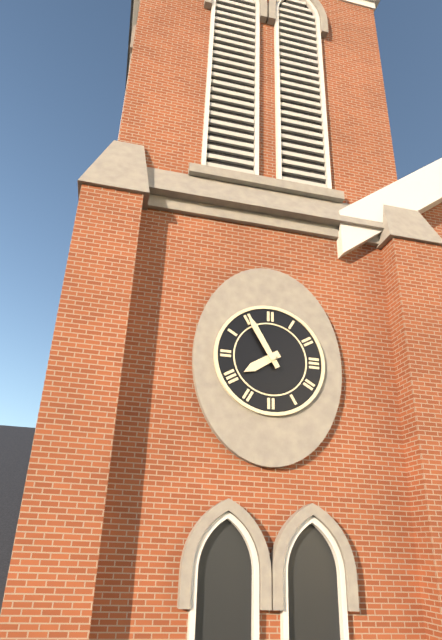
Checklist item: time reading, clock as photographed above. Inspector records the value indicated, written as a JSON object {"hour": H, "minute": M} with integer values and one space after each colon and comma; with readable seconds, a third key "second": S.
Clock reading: {"hour": 7, "minute": 55}
